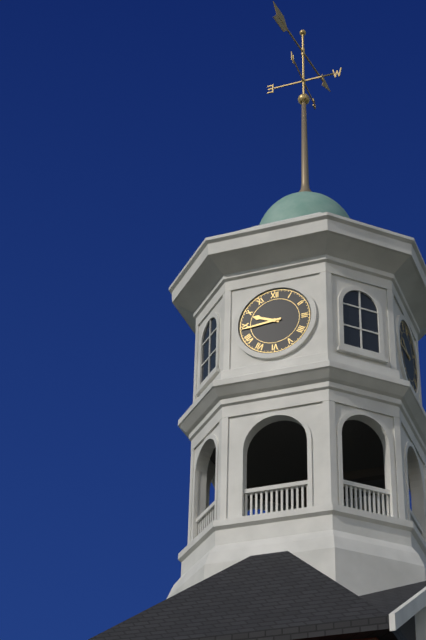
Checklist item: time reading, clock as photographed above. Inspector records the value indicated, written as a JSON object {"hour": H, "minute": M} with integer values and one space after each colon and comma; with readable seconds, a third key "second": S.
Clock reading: {"hour": 9, "minute": 44}
